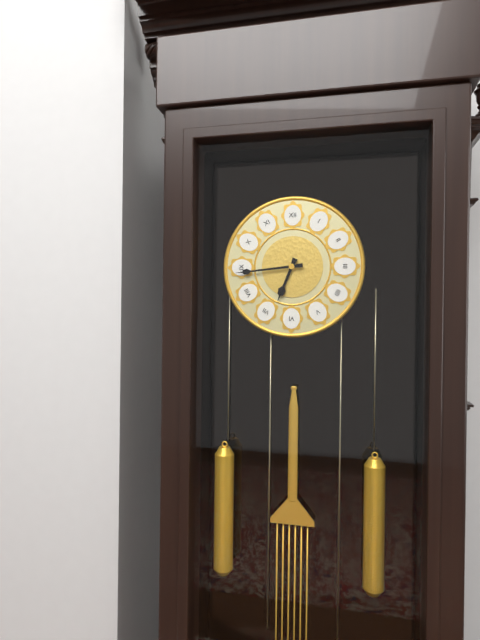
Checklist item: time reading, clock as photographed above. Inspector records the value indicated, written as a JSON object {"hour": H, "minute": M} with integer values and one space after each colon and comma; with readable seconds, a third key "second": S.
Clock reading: {"hour": 6, "minute": 44}
